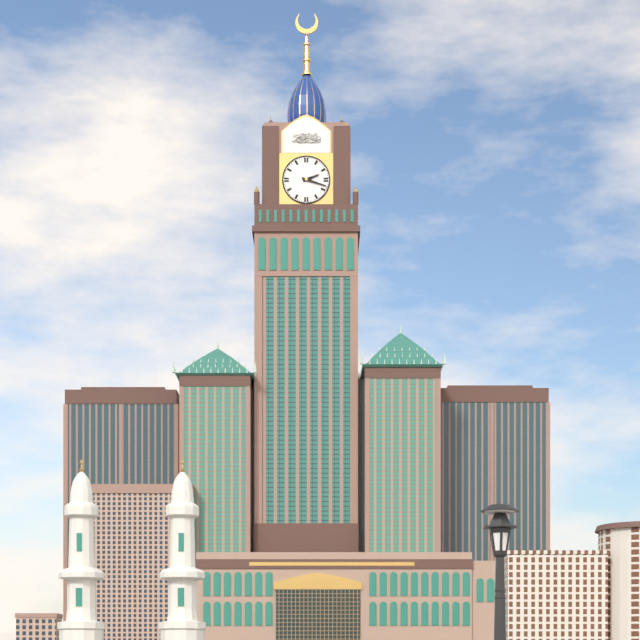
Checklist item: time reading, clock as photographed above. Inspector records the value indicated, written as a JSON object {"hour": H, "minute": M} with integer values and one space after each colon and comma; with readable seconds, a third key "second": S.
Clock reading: {"hour": 2, "minute": 18}
